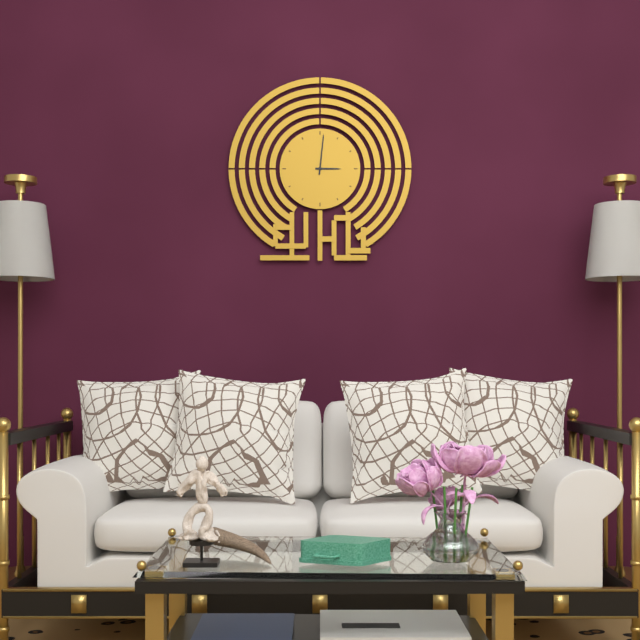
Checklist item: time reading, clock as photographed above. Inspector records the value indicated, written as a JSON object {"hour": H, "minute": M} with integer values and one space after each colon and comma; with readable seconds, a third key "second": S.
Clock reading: {"hour": 3, "minute": 1}
